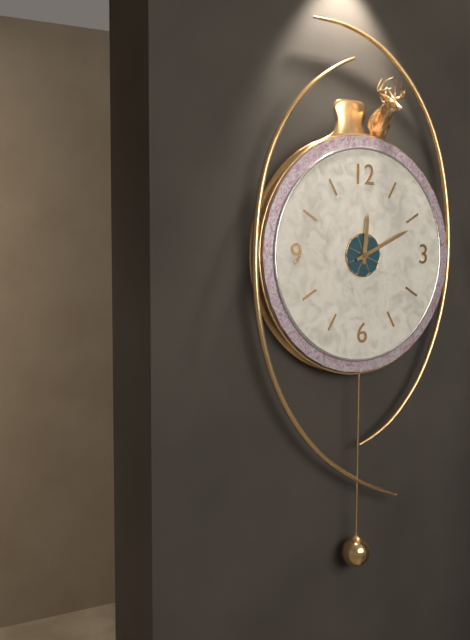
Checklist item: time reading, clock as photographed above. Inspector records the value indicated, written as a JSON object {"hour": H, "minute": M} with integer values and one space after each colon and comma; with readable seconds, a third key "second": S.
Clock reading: {"hour": 12, "minute": 11}
